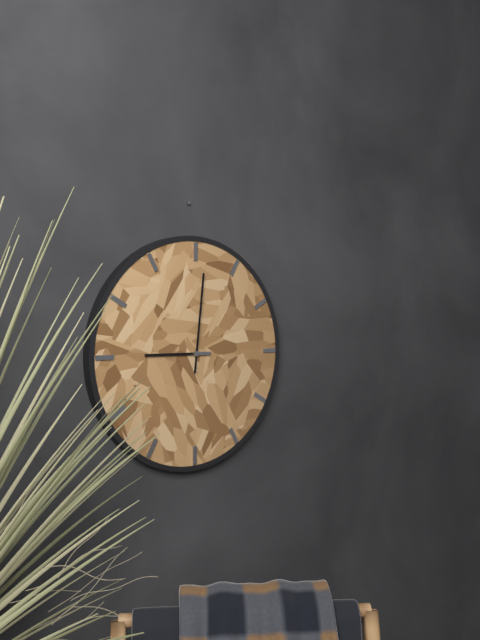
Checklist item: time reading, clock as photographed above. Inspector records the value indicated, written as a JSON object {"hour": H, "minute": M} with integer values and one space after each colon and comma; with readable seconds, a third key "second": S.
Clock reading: {"hour": 9, "minute": 1}
